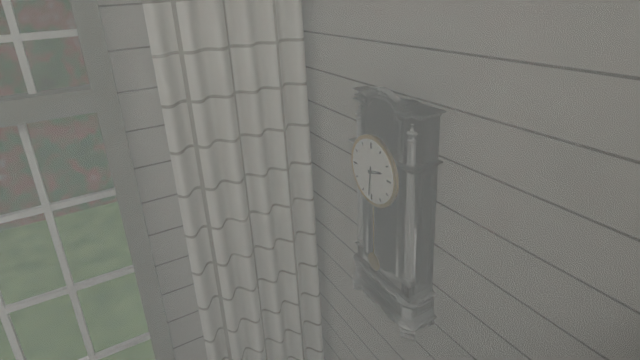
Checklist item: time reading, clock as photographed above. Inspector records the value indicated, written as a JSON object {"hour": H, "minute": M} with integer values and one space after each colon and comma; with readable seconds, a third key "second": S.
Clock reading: {"hour": 2, "minute": 31}
